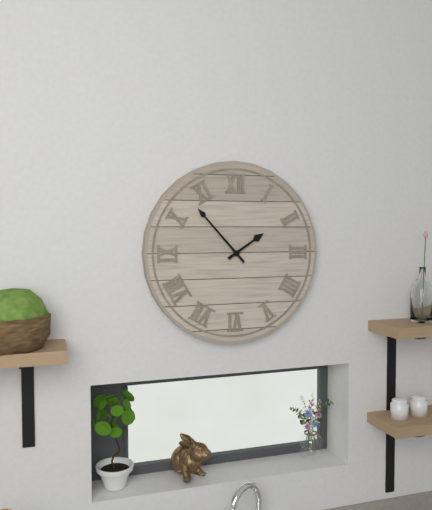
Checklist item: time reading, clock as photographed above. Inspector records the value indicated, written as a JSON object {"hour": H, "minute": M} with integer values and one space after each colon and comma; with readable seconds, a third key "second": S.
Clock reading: {"hour": 1, "minute": 53}
